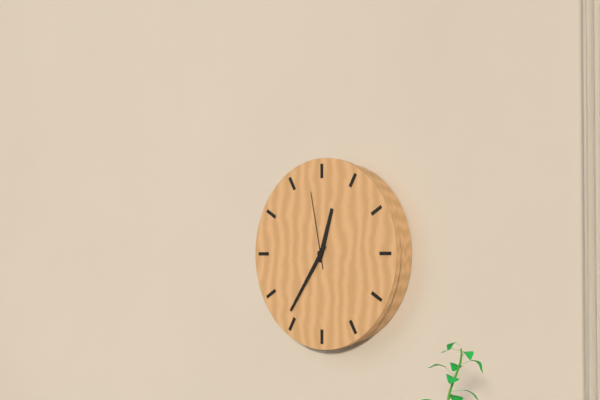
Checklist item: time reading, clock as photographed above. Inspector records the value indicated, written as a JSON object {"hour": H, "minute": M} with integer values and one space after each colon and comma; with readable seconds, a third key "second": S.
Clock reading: {"hour": 12, "minute": 36, "second": 58}
